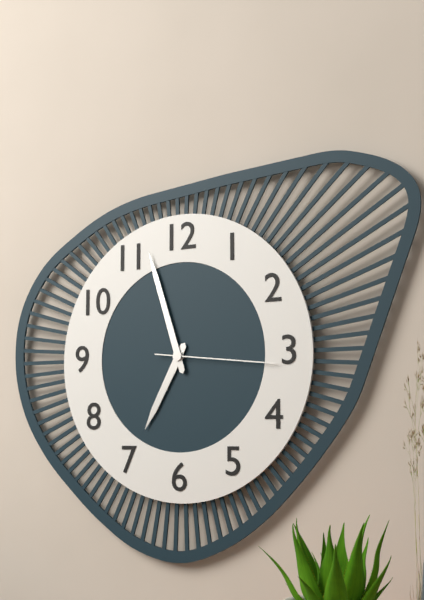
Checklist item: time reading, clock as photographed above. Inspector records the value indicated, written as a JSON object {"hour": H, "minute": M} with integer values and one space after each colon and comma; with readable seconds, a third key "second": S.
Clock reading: {"hour": 6, "minute": 57, "second": 16}
